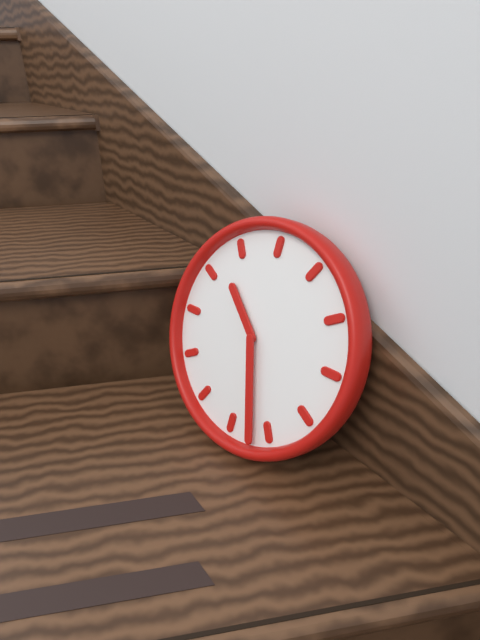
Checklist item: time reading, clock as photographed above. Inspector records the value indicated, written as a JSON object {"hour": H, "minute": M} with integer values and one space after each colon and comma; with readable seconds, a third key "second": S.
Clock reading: {"hour": 10, "minute": 27}
